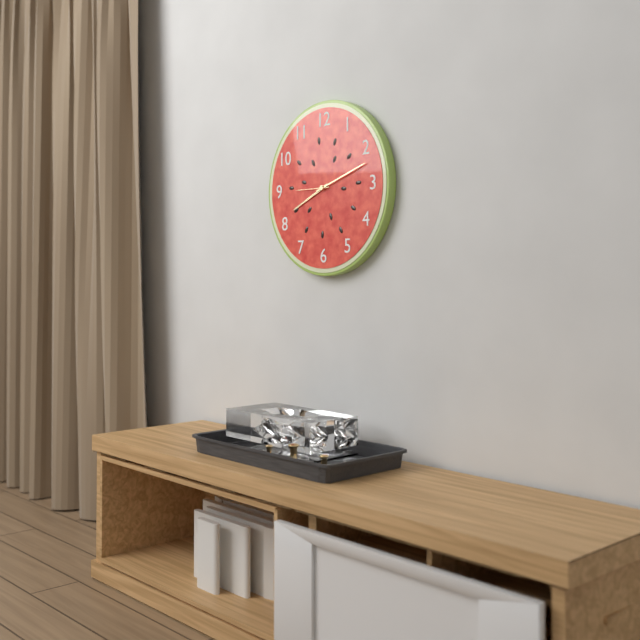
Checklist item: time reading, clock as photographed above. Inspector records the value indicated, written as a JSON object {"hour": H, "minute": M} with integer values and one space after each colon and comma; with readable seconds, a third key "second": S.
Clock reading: {"hour": 8, "minute": 12}
